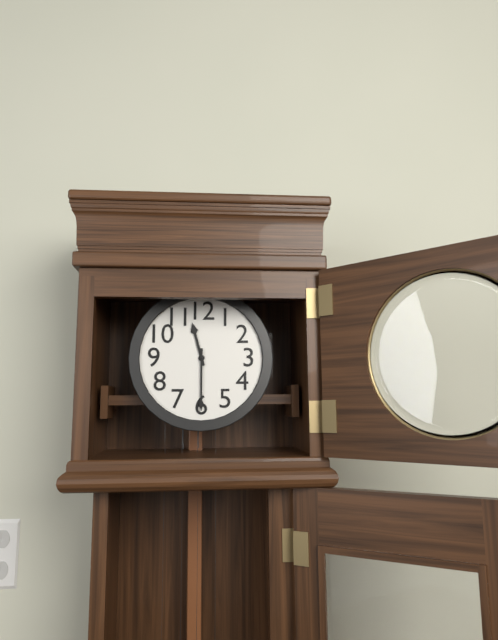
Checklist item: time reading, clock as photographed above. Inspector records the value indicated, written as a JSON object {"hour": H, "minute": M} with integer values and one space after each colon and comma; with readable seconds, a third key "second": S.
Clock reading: {"hour": 11, "minute": 30}
